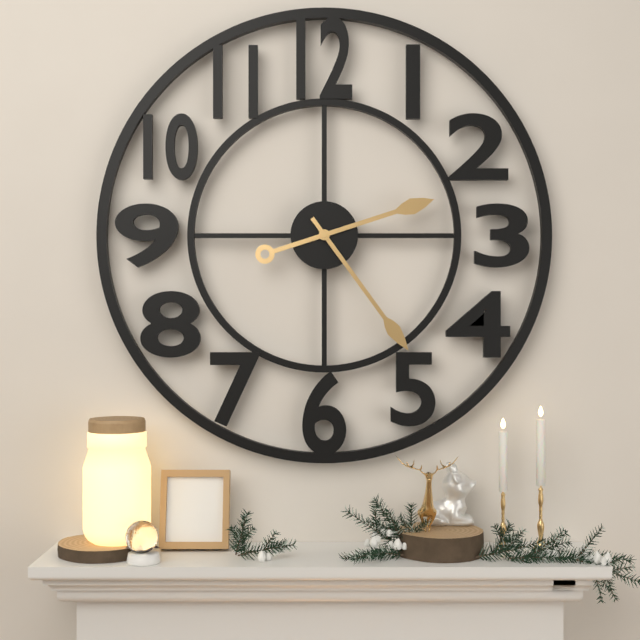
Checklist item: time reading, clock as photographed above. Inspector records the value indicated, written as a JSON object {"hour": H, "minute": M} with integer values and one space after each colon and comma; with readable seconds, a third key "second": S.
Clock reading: {"hour": 2, "minute": 24}
